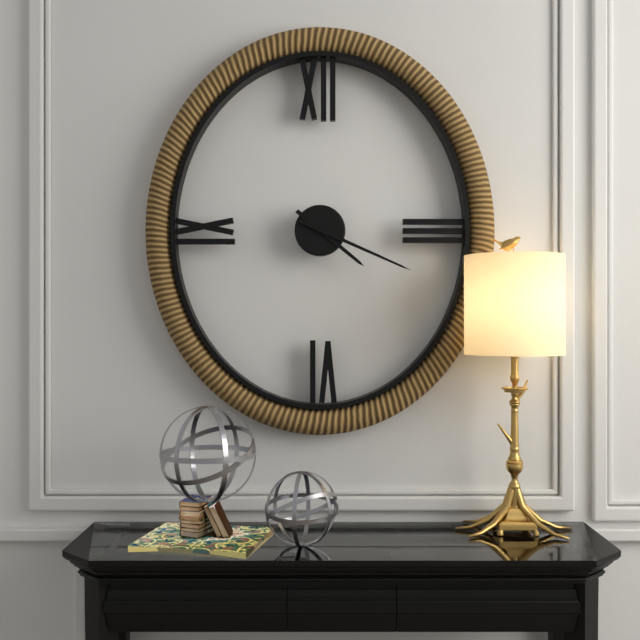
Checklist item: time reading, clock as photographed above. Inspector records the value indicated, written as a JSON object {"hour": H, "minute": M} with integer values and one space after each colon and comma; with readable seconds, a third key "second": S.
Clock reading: {"hour": 4, "minute": 19}
